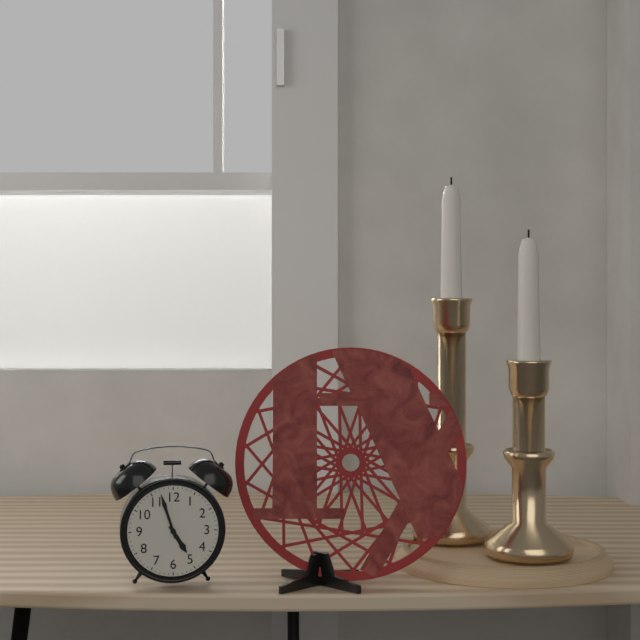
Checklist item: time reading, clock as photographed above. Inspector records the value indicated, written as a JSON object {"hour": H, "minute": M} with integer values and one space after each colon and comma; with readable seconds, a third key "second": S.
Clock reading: {"hour": 4, "minute": 57}
